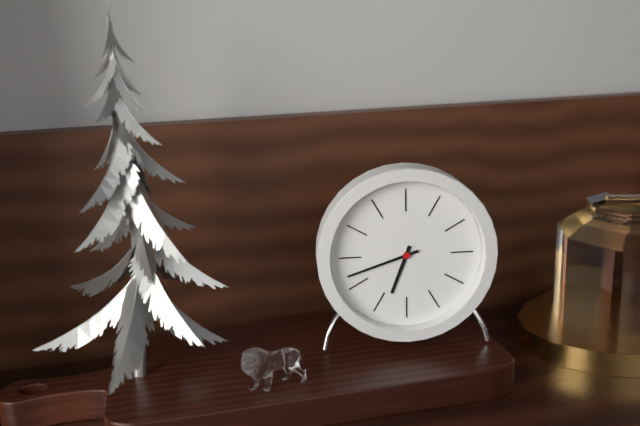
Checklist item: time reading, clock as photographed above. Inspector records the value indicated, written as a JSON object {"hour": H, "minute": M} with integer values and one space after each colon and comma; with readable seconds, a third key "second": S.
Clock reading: {"hour": 6, "minute": 42}
